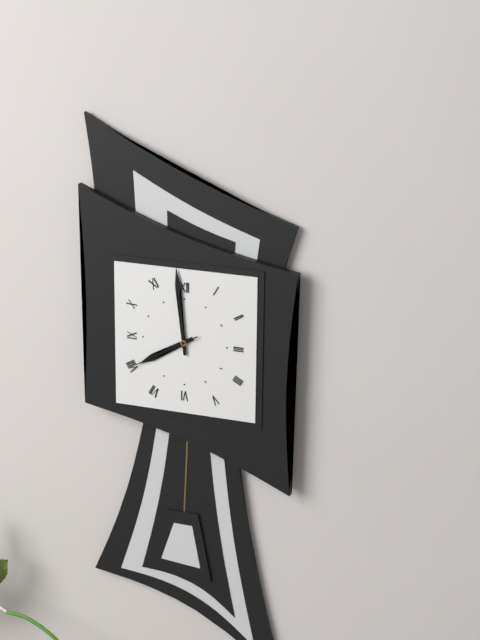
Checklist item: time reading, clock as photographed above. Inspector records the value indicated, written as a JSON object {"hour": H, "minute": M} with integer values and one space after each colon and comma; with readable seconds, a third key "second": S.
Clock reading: {"hour": 7, "minute": 59, "second": 40}
